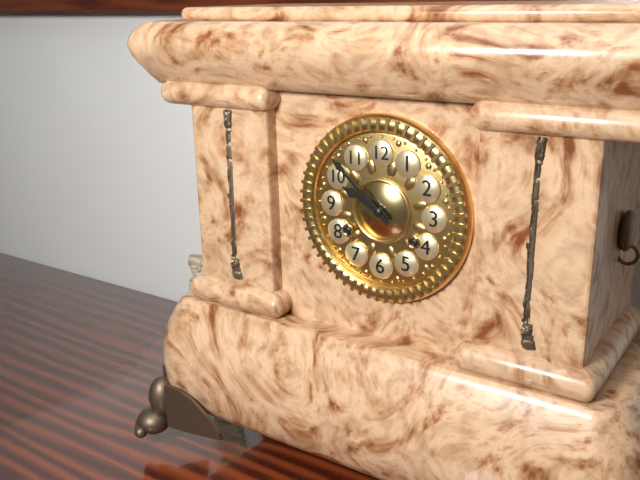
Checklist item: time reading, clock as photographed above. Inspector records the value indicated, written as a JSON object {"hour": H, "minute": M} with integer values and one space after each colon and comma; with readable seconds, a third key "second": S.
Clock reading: {"hour": 9, "minute": 52}
